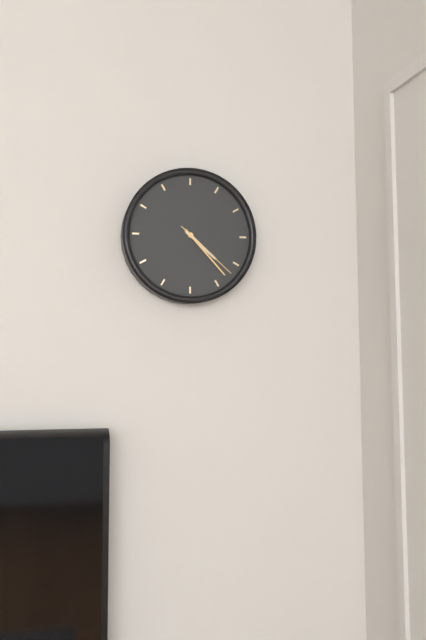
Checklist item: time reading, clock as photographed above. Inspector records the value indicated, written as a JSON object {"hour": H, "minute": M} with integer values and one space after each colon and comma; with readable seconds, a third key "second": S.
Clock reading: {"hour": 4, "minute": 23, "second": 22}
